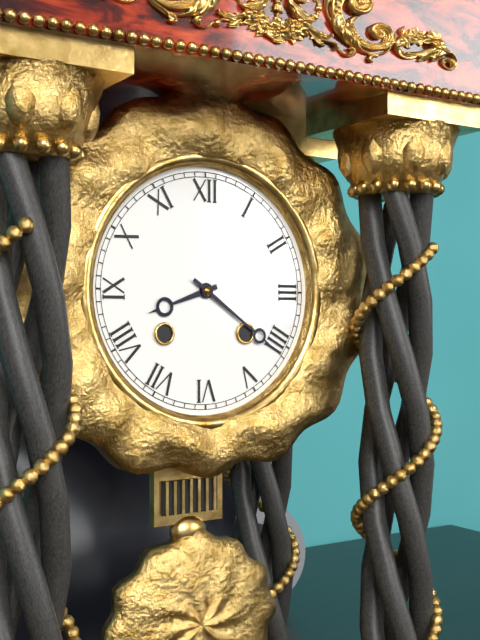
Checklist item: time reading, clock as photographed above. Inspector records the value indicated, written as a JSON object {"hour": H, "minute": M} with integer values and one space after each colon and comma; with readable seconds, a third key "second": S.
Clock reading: {"hour": 8, "minute": 21}
